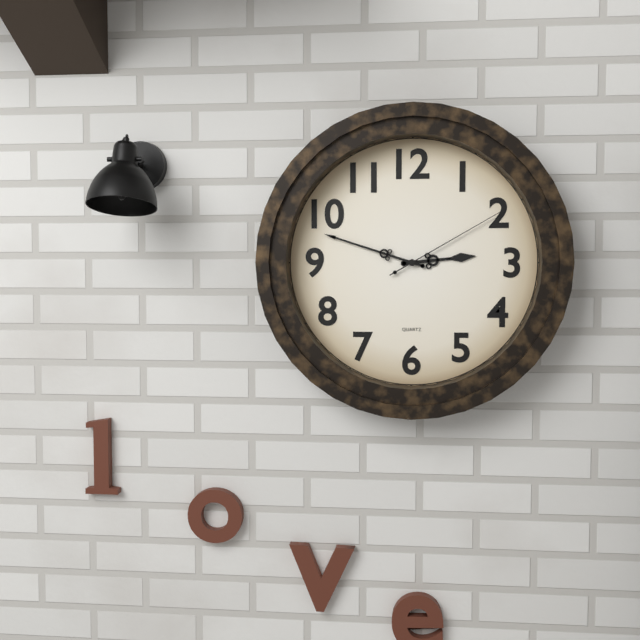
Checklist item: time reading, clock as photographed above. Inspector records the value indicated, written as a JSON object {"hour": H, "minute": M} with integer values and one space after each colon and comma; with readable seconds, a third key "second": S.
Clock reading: {"hour": 2, "minute": 48, "second": 10}
